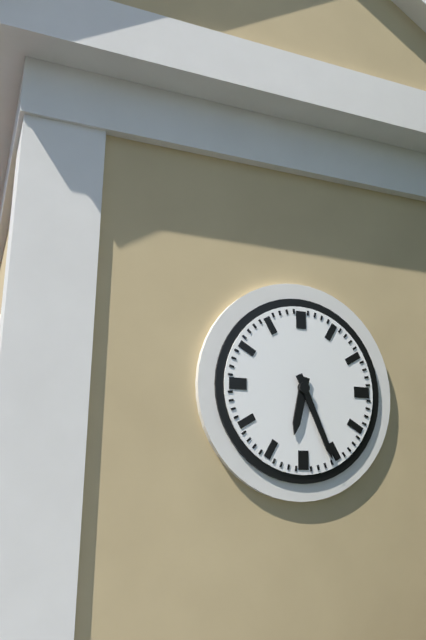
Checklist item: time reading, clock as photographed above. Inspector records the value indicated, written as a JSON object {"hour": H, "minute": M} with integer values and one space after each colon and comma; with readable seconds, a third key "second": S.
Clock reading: {"hour": 6, "minute": 26}
